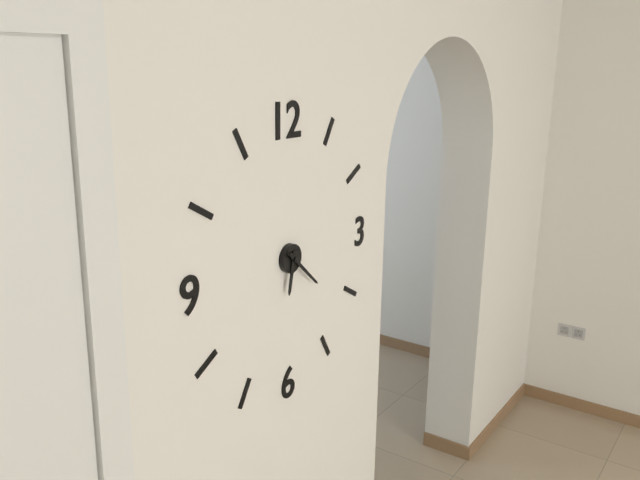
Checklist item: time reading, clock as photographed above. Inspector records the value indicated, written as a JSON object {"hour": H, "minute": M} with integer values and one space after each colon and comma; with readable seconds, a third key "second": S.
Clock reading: {"hour": 6, "minute": 22}
